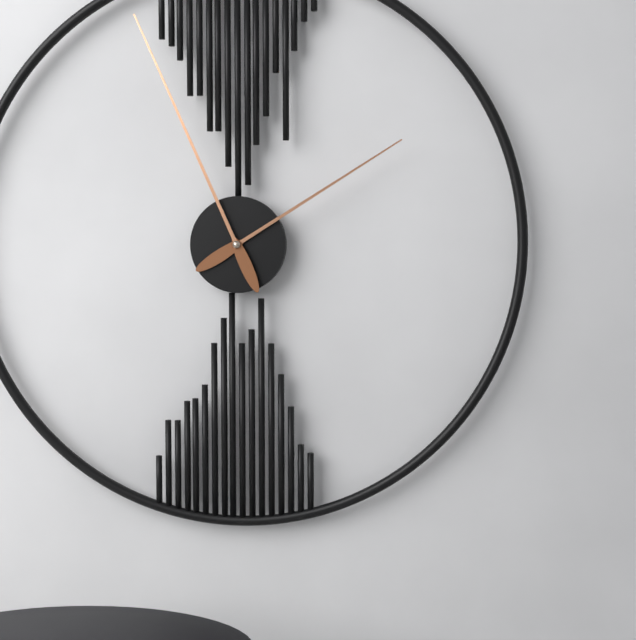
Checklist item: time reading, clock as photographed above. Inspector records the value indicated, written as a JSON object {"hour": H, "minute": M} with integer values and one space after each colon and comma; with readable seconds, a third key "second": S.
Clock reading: {"hour": 1, "minute": 56}
